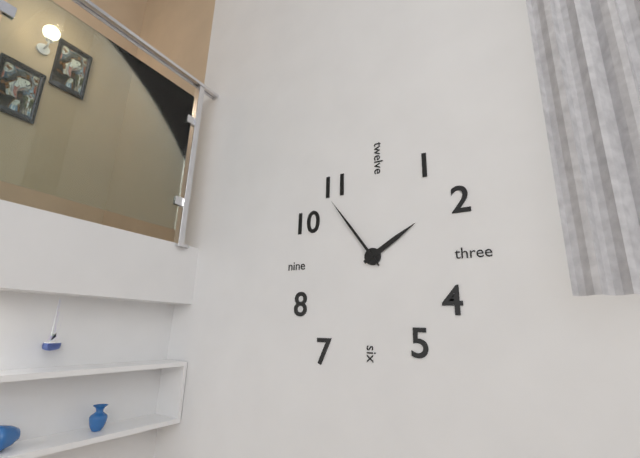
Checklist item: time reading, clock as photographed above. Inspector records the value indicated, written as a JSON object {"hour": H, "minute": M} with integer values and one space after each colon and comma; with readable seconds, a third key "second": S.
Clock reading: {"hour": 1, "minute": 54}
